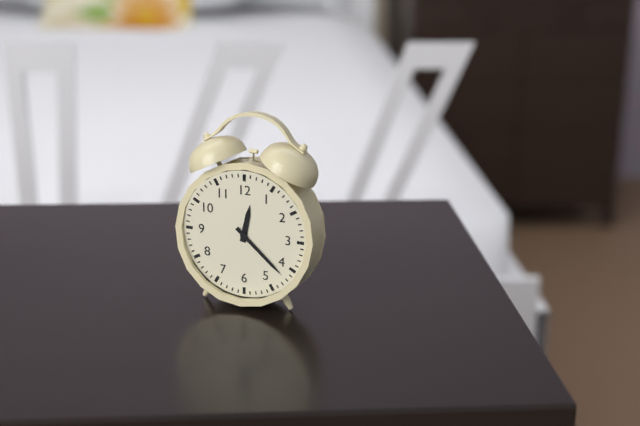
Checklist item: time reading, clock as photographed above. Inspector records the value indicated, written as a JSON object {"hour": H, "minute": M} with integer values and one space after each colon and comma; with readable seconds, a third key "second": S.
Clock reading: {"hour": 12, "minute": 22}
